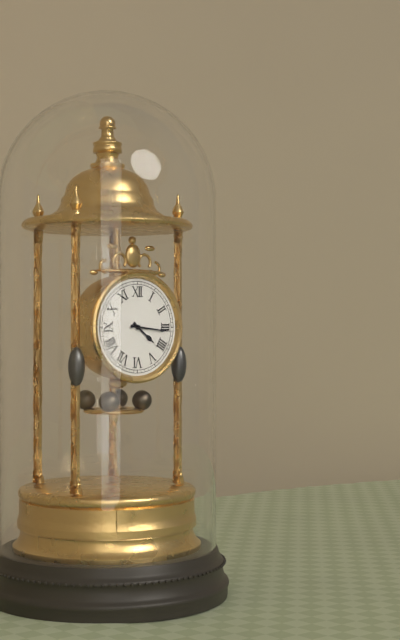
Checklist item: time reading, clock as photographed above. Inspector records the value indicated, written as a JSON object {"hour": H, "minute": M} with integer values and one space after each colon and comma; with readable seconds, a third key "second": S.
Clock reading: {"hour": 4, "minute": 16}
